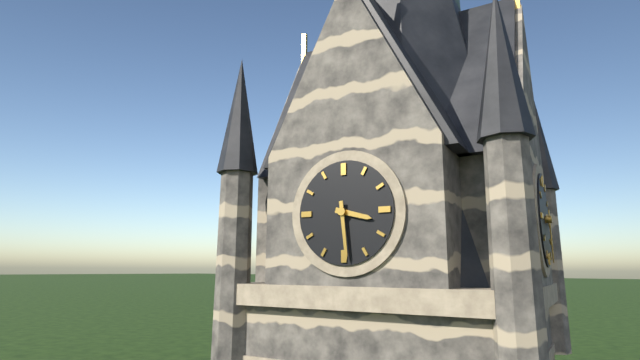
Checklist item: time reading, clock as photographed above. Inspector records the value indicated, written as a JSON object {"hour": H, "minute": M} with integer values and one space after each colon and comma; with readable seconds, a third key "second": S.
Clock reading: {"hour": 3, "minute": 29}
